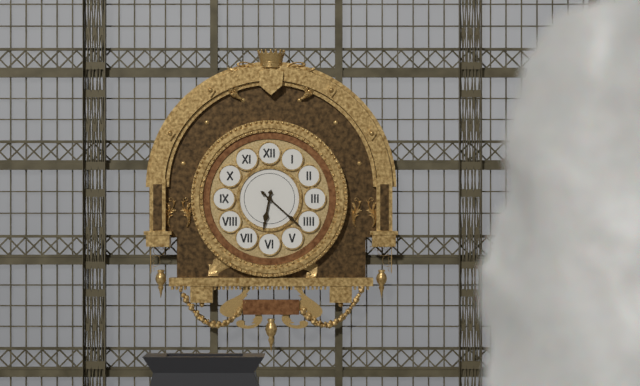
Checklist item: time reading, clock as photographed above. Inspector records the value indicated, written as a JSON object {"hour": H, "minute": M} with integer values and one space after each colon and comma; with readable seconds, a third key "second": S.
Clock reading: {"hour": 6, "minute": 22}
